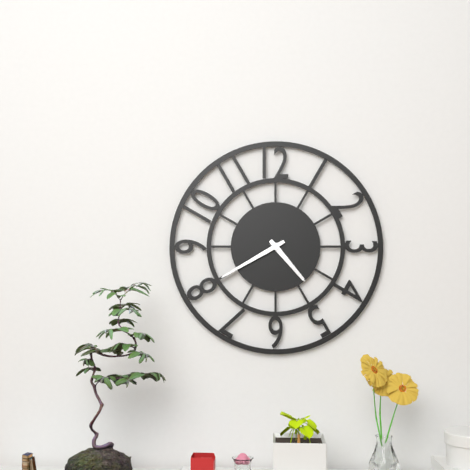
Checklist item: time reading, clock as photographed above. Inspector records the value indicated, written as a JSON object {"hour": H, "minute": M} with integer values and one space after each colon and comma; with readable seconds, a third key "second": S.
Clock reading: {"hour": 4, "minute": 40}
